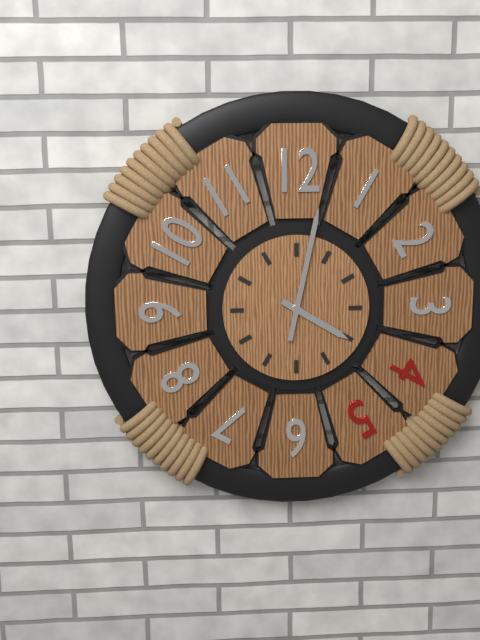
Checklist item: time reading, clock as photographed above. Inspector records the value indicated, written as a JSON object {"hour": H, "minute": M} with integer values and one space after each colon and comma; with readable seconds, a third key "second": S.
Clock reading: {"hour": 4, "minute": 2}
